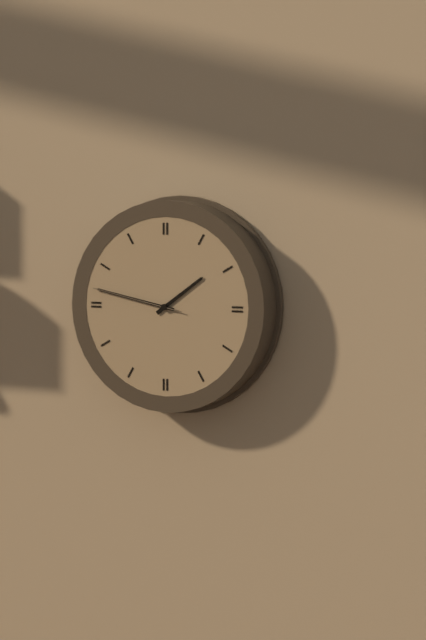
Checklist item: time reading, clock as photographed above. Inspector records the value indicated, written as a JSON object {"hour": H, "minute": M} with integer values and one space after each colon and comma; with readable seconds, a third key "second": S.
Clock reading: {"hour": 1, "minute": 47, "second": 47}
